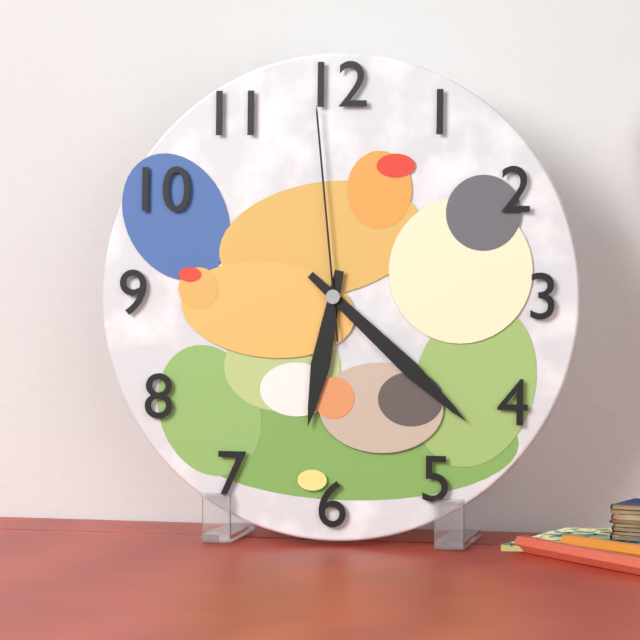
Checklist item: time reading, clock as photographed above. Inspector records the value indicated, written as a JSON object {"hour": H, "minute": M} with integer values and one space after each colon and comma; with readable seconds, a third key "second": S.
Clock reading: {"hour": 6, "minute": 22, "second": 59}
